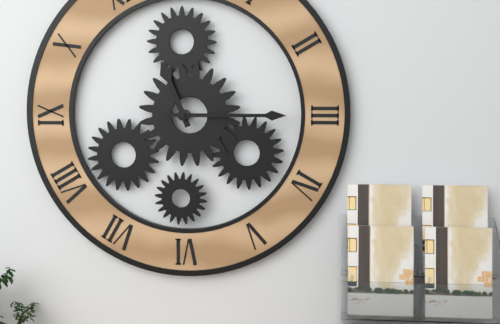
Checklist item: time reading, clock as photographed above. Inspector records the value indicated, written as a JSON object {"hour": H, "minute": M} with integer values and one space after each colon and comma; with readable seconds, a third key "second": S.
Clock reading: {"hour": 11, "minute": 15}
